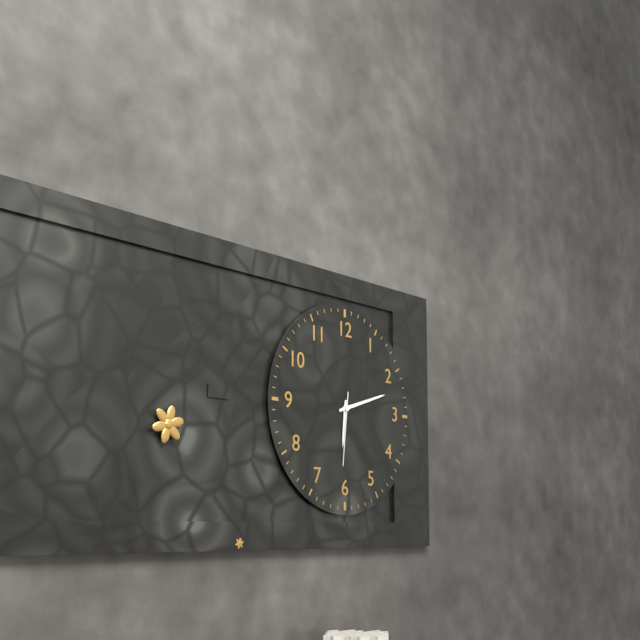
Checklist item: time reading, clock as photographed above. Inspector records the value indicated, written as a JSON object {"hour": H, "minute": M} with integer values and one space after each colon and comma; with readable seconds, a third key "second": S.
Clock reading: {"hour": 6, "minute": 12, "second": 31}
